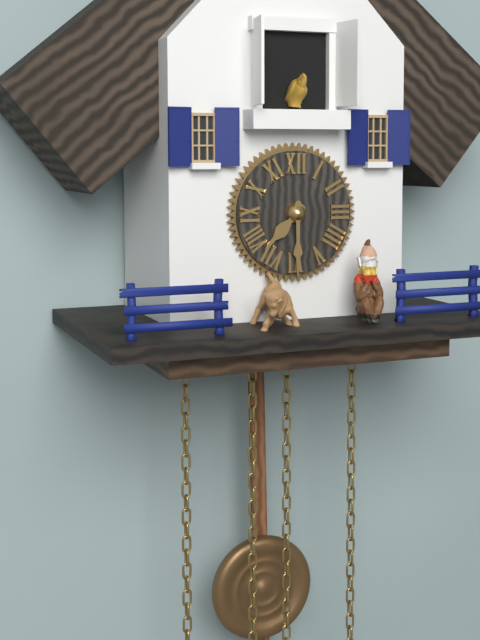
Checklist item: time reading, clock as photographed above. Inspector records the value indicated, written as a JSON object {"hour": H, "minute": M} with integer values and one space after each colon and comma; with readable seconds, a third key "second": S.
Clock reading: {"hour": 7, "minute": 30}
